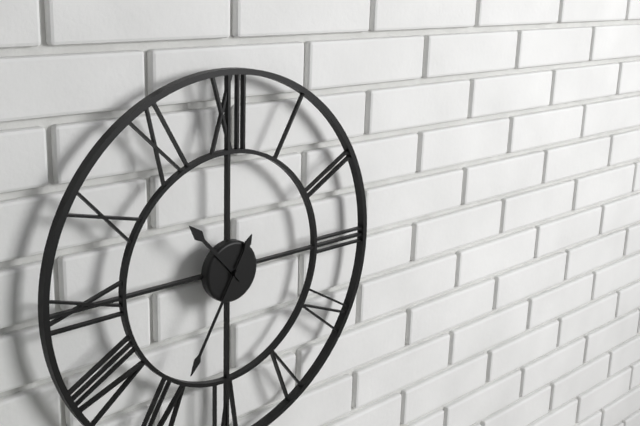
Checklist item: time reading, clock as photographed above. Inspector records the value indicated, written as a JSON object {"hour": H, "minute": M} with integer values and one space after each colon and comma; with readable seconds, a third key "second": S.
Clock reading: {"hour": 10, "minute": 35}
